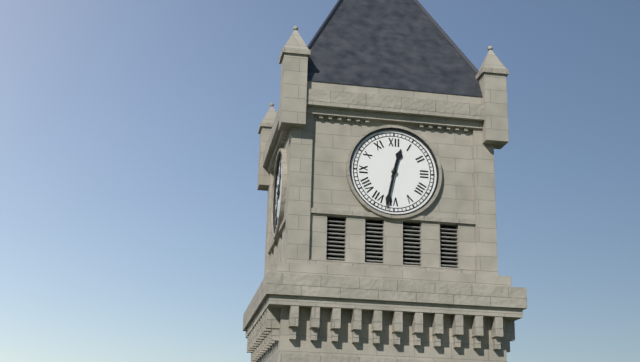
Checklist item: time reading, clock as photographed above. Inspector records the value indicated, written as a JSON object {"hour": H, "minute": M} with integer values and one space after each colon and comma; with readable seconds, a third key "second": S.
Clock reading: {"hour": 12, "minute": 32}
